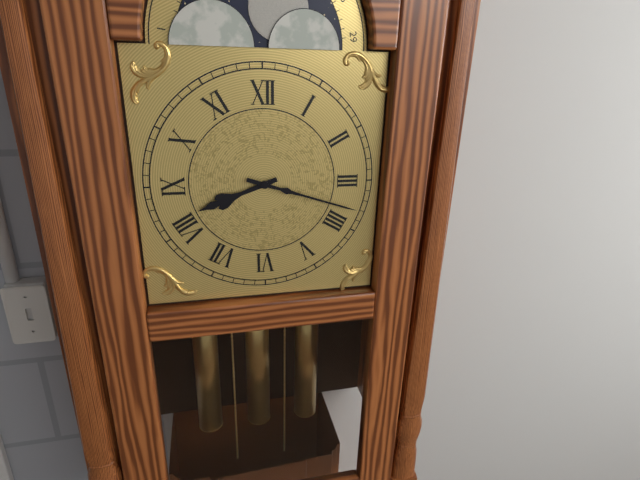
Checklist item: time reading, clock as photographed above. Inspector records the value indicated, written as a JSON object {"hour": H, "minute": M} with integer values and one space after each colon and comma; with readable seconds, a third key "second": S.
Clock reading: {"hour": 8, "minute": 18}
